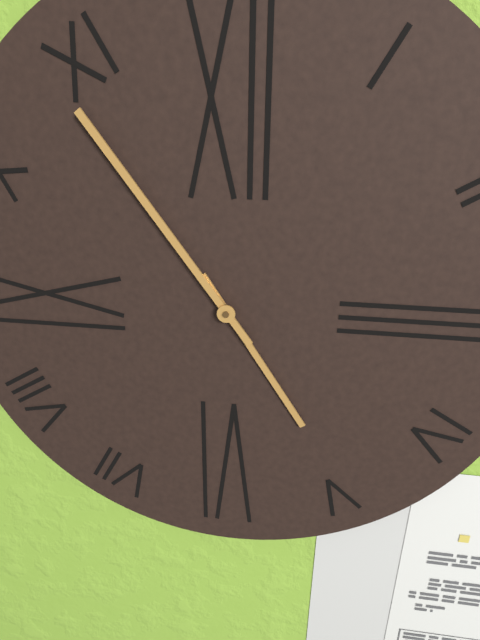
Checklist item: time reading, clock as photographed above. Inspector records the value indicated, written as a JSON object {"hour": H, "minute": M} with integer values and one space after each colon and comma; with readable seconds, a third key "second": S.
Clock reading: {"hour": 4, "minute": 54}
